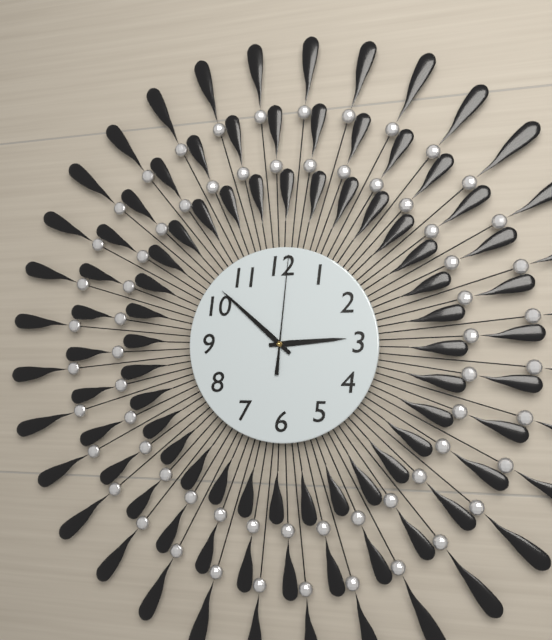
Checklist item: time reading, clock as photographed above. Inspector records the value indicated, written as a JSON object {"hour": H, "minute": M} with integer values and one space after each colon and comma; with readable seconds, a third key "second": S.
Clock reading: {"hour": 2, "minute": 52, "second": 1}
